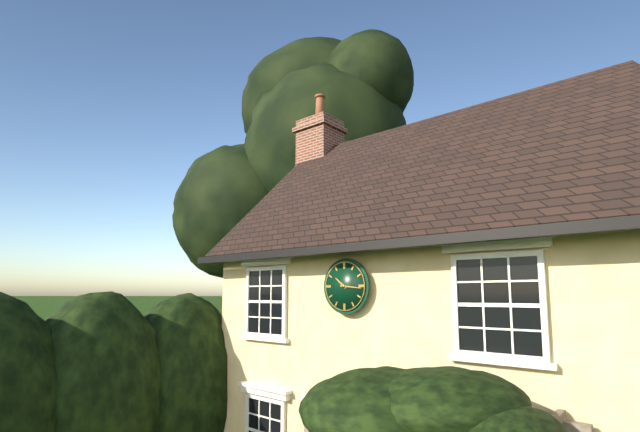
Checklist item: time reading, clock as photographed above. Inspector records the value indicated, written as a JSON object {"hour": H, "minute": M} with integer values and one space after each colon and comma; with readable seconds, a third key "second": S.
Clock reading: {"hour": 10, "minute": 16}
